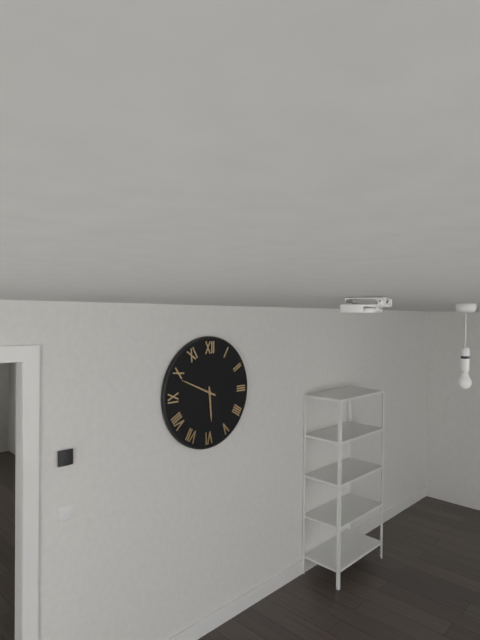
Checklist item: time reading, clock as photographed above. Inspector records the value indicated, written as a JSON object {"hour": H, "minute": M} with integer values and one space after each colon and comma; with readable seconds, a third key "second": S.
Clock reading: {"hour": 5, "minute": 49}
